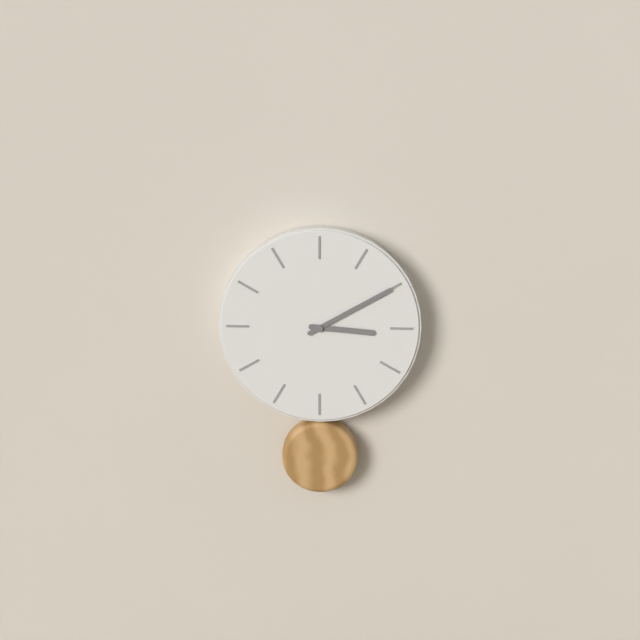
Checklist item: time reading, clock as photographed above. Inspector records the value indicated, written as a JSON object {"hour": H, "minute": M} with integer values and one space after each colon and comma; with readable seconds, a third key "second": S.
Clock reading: {"hour": 3, "minute": 10}
